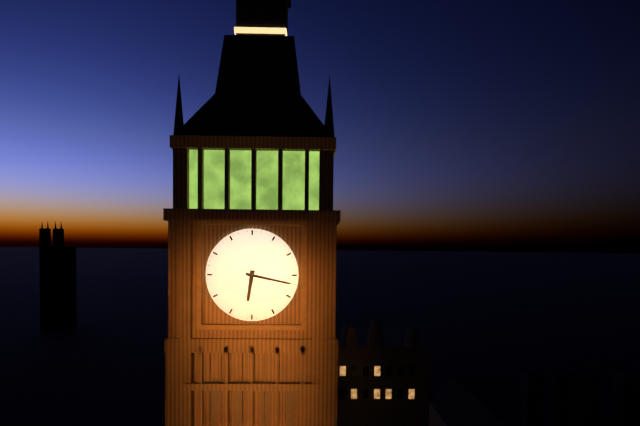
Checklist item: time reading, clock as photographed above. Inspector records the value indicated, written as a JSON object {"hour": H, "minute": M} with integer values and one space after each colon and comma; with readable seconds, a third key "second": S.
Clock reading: {"hour": 6, "minute": 17}
